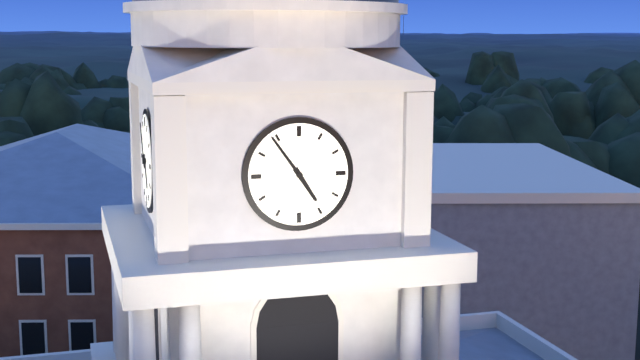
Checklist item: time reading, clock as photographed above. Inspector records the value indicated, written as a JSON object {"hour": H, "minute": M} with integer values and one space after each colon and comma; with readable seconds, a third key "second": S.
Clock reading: {"hour": 4, "minute": 54}
